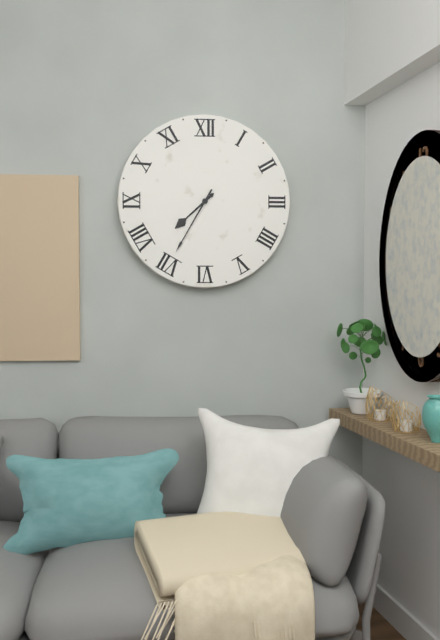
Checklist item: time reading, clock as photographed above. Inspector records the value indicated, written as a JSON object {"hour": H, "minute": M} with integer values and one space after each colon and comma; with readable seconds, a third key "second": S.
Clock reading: {"hour": 7, "minute": 35}
